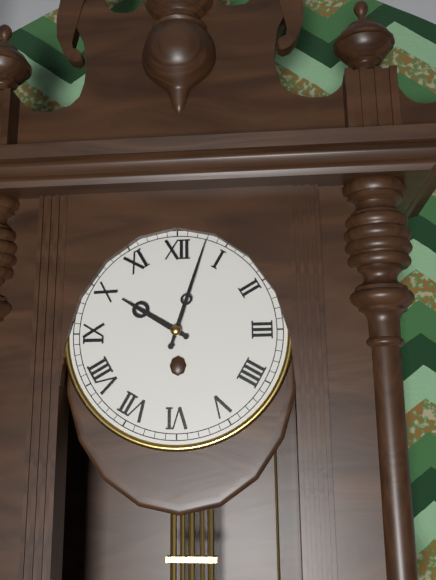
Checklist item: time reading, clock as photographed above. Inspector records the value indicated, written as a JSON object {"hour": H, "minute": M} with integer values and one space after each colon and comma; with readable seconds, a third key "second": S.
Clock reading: {"hour": 10, "minute": 3}
